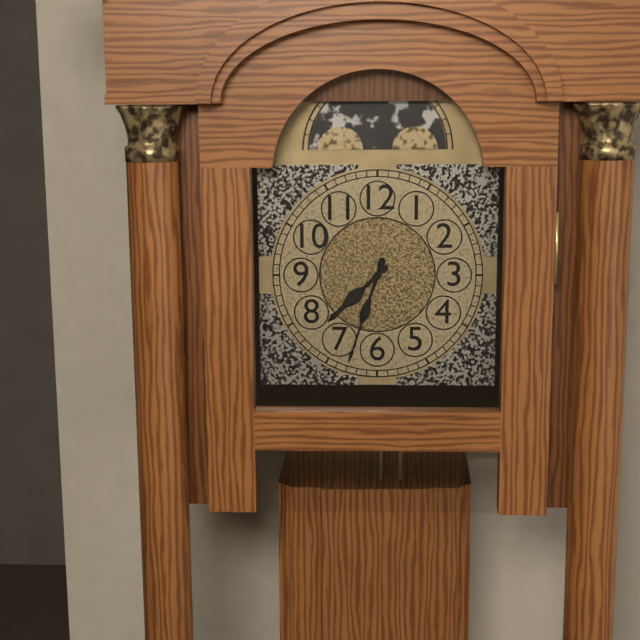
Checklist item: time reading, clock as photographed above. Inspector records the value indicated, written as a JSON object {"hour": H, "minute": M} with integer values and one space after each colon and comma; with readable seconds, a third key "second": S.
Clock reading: {"hour": 7, "minute": 33}
